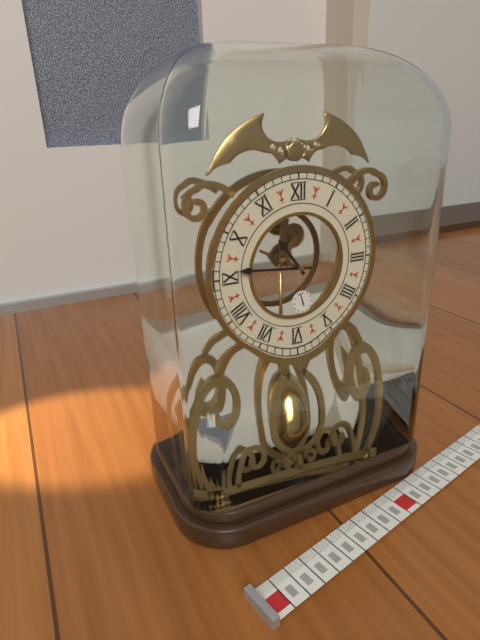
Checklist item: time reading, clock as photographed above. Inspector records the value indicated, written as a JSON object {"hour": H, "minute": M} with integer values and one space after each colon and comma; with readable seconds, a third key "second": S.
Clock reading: {"hour": 10, "minute": 46}
